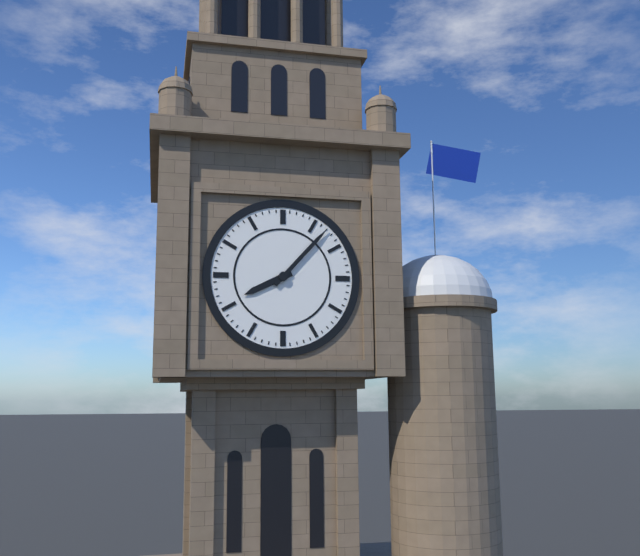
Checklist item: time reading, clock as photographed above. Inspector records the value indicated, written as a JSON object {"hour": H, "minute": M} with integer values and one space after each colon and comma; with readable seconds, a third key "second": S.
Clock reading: {"hour": 8, "minute": 7}
